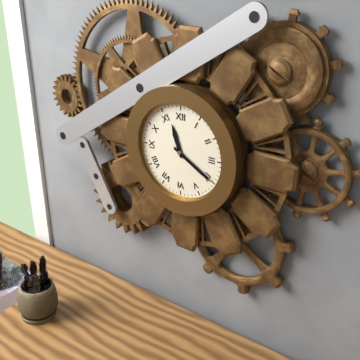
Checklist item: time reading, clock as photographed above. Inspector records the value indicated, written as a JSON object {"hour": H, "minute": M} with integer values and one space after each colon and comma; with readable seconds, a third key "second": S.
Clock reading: {"hour": 11, "minute": 20}
